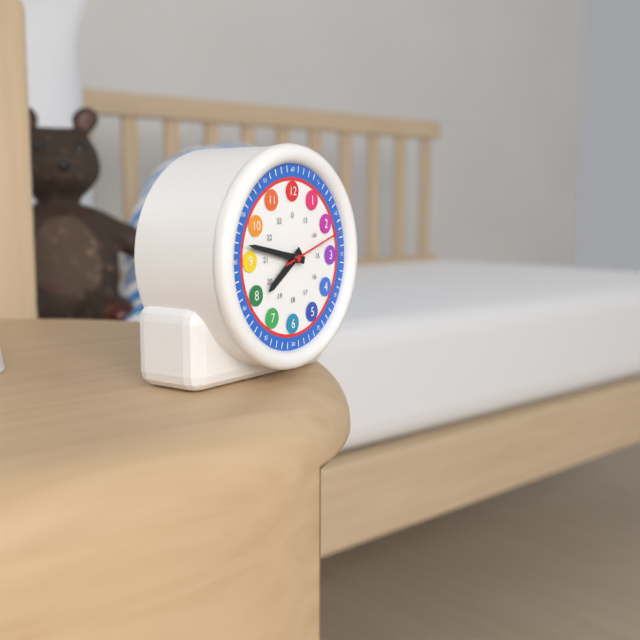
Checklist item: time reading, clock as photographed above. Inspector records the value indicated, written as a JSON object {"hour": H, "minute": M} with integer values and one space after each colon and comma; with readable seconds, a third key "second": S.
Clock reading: {"hour": 7, "minute": 47, "second": 12}
